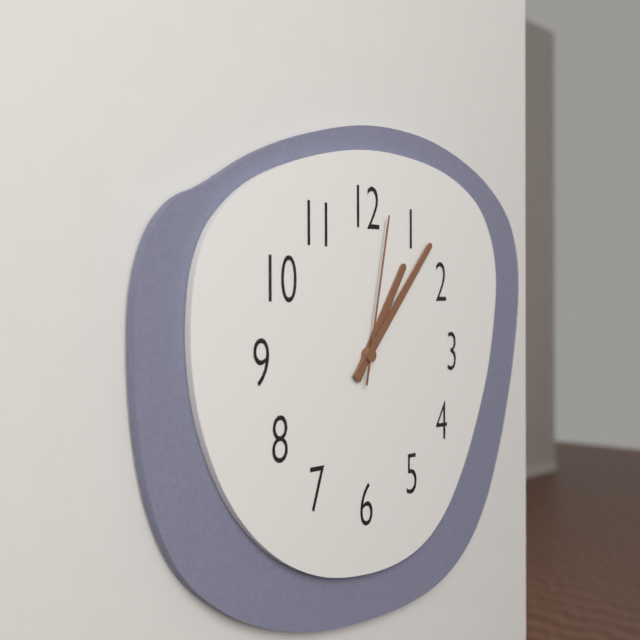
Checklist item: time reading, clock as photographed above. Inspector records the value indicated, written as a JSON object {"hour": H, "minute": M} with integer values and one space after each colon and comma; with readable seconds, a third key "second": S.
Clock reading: {"hour": 1, "minute": 7, "second": 2}
